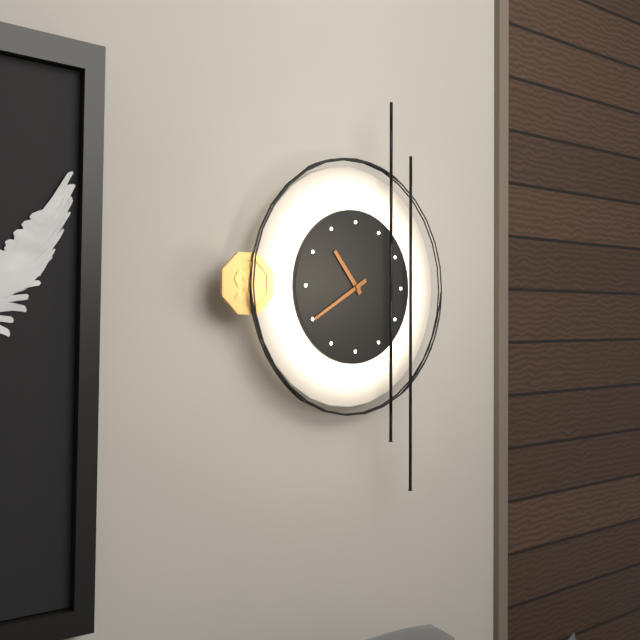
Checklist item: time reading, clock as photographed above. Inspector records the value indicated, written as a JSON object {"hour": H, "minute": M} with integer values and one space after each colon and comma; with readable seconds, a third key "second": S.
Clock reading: {"hour": 10, "minute": 40}
